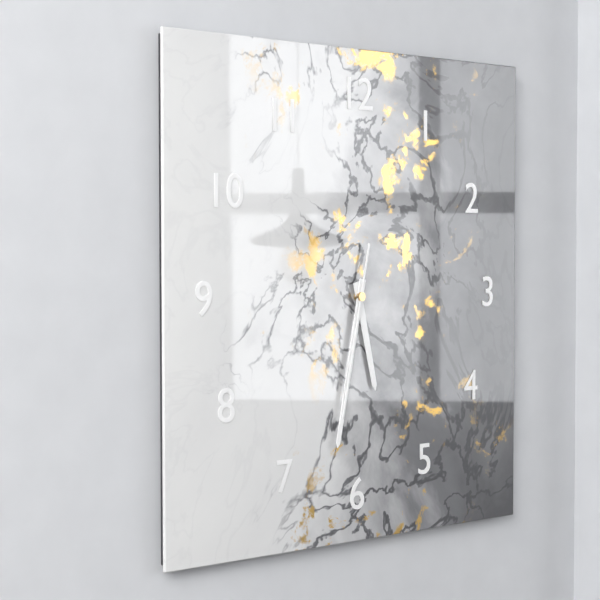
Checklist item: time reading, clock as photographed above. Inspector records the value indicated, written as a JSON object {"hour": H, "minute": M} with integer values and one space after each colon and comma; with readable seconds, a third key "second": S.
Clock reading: {"hour": 5, "minute": 32, "second": 32}
